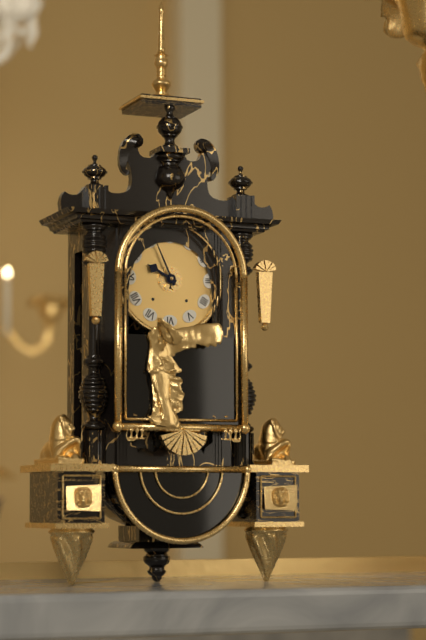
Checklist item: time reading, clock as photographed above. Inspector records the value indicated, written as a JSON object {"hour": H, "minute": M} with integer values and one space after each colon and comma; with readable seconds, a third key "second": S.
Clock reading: {"hour": 9, "minute": 56}
